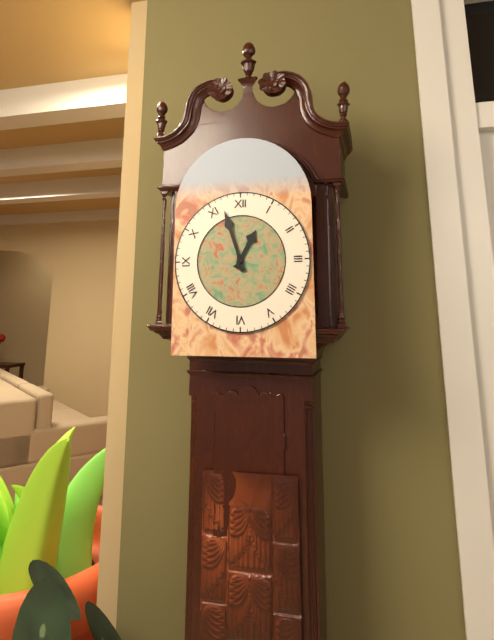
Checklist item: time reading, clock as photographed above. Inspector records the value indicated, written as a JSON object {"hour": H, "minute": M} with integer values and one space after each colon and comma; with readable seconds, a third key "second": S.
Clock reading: {"hour": 12, "minute": 57}
